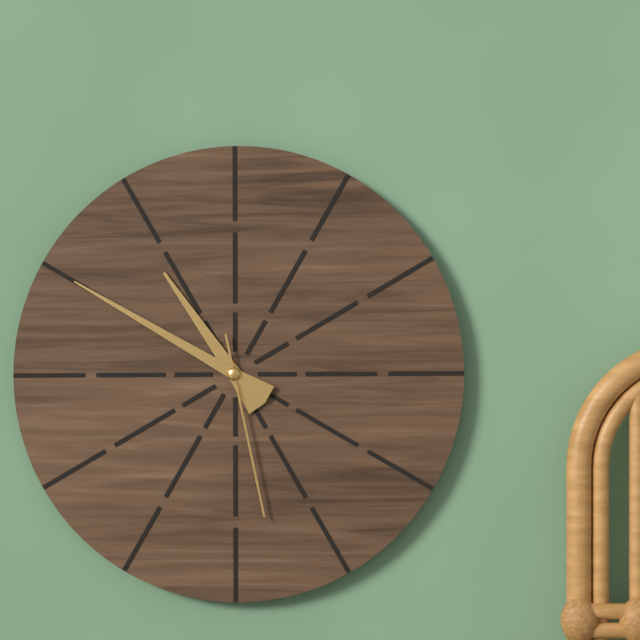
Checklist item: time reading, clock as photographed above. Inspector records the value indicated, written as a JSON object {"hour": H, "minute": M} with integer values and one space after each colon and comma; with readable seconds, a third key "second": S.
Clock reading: {"hour": 10, "minute": 50, "second": 28}
